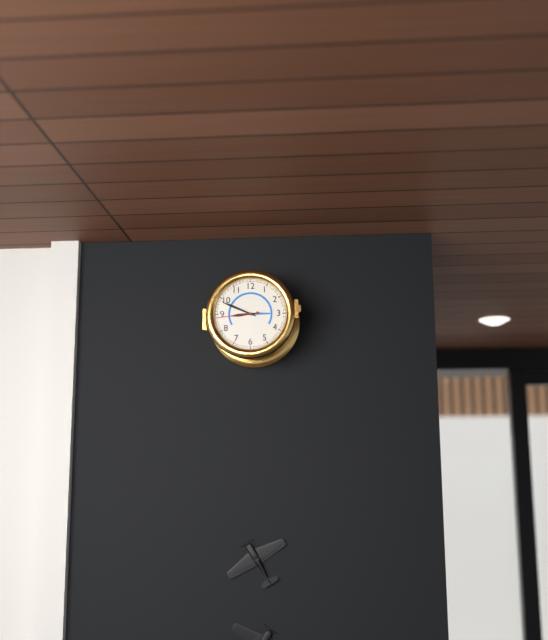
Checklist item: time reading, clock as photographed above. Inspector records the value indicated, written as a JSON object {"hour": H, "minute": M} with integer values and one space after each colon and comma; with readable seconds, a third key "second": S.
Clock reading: {"hour": 8, "minute": 49}
